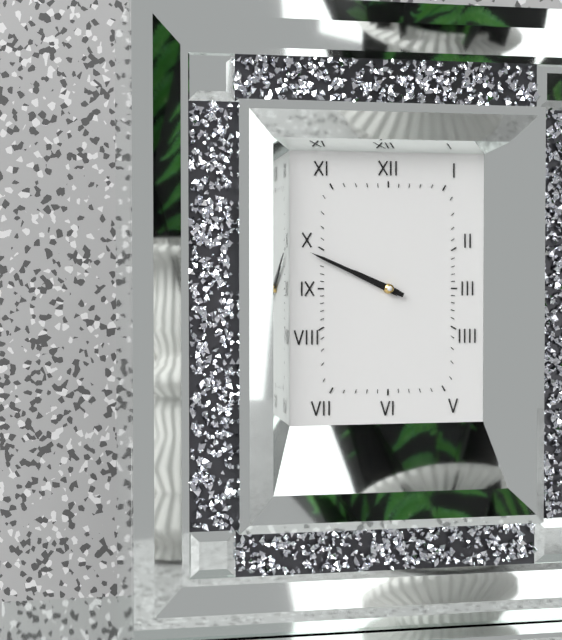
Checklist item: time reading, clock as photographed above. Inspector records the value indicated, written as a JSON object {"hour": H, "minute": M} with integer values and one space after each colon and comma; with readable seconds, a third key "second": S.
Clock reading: {"hour": 9, "minute": 49}
